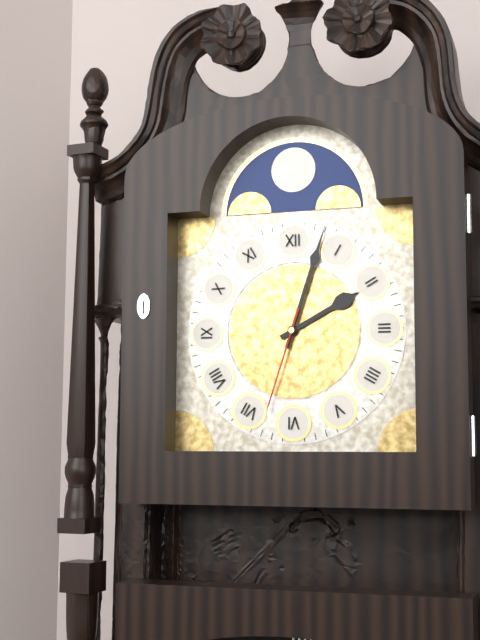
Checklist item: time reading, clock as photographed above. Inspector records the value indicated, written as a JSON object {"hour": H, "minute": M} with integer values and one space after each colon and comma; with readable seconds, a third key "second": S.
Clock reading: {"hour": 2, "minute": 3, "second": 33}
